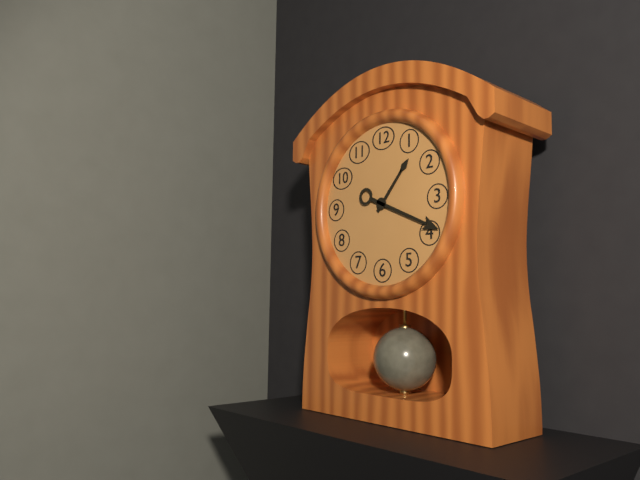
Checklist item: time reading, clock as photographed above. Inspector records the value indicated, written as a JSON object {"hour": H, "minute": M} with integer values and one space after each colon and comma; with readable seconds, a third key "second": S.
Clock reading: {"hour": 1, "minute": 19}
